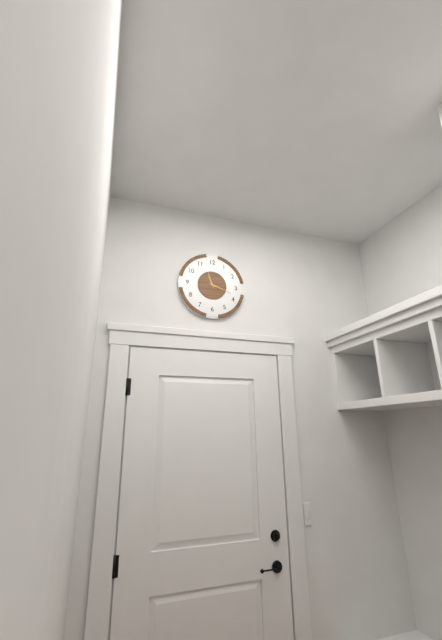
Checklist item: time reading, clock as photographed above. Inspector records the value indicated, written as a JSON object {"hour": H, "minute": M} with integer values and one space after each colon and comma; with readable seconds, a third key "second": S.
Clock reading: {"hour": 11, "minute": 18}
